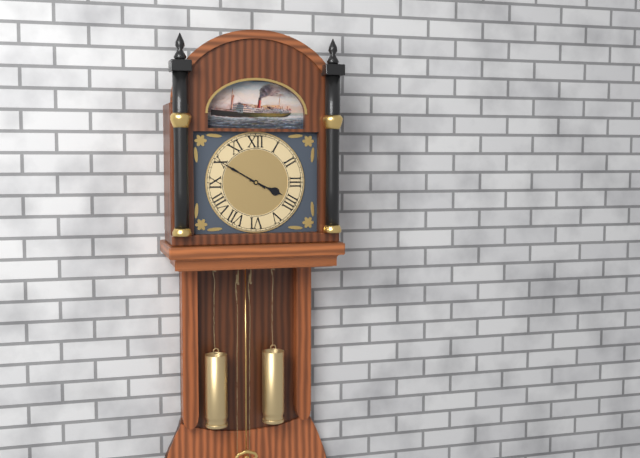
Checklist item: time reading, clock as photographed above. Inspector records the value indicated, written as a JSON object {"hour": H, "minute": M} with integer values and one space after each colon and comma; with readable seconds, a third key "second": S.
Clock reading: {"hour": 3, "minute": 50}
